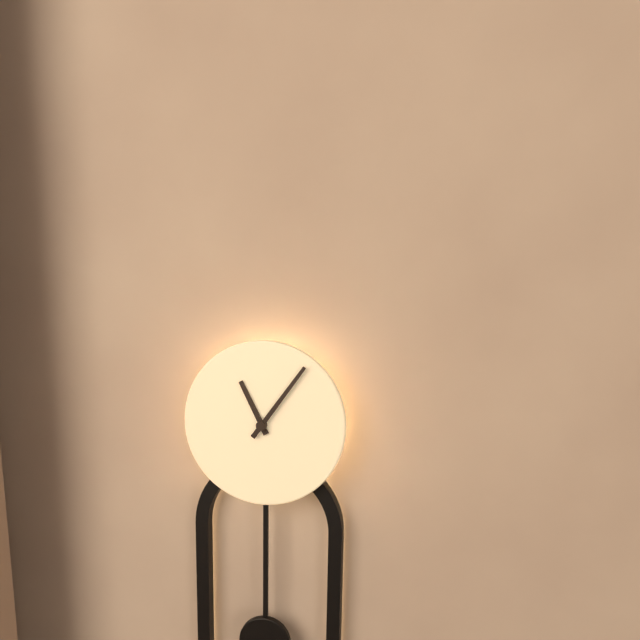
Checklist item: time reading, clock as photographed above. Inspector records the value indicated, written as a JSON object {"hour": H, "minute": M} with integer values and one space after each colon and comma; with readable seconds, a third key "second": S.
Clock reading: {"hour": 11, "minute": 6}
